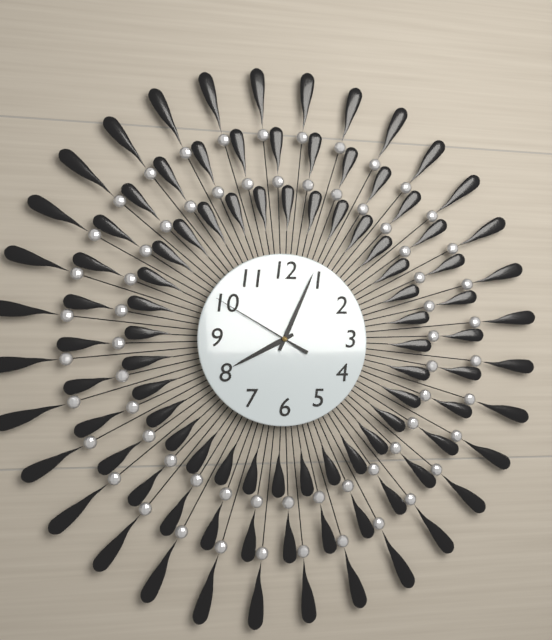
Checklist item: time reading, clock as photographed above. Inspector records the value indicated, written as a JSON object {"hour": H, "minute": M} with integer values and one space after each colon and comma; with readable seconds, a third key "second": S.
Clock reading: {"hour": 8, "minute": 4, "second": 50}
